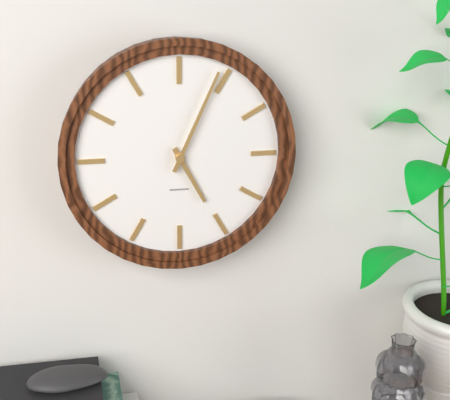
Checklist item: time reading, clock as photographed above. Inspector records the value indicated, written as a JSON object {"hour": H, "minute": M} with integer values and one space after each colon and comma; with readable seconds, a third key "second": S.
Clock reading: {"hour": 5, "minute": 4}
